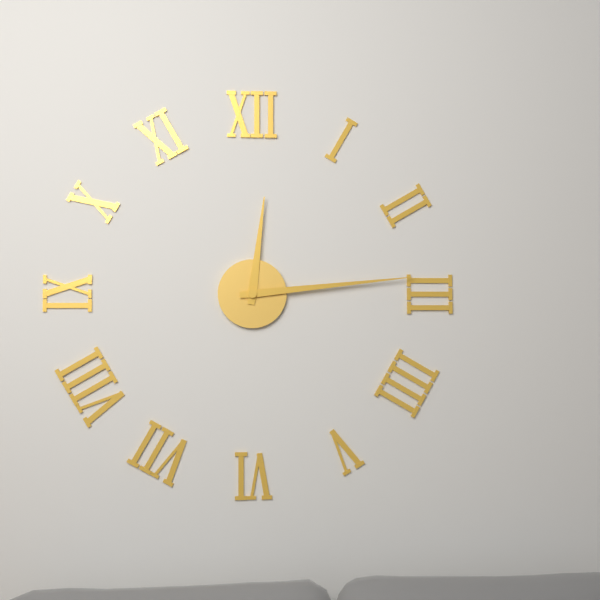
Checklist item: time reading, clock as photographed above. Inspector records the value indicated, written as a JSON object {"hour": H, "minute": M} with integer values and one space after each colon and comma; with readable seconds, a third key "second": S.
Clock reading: {"hour": 12, "minute": 14}
